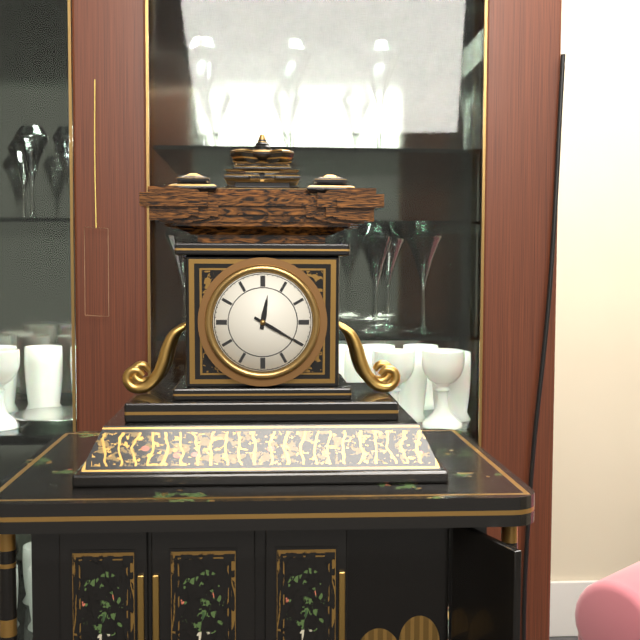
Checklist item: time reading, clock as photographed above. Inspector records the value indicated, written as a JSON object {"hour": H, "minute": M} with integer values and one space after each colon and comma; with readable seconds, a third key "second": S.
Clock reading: {"hour": 12, "minute": 20}
